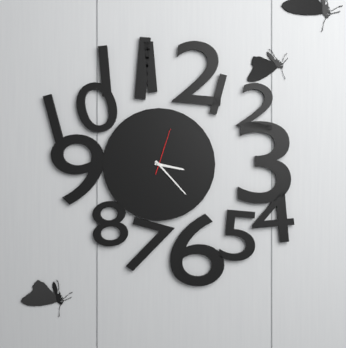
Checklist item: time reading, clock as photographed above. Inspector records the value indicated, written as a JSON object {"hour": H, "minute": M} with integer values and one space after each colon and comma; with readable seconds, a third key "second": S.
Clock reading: {"hour": 3, "minute": 23}
